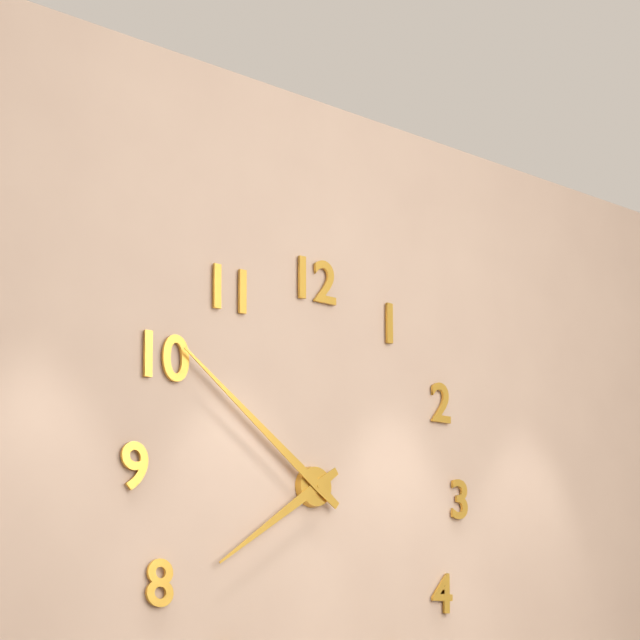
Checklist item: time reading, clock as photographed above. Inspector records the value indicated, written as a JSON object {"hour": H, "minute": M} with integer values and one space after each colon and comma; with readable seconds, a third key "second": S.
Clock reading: {"hour": 7, "minute": 51}
